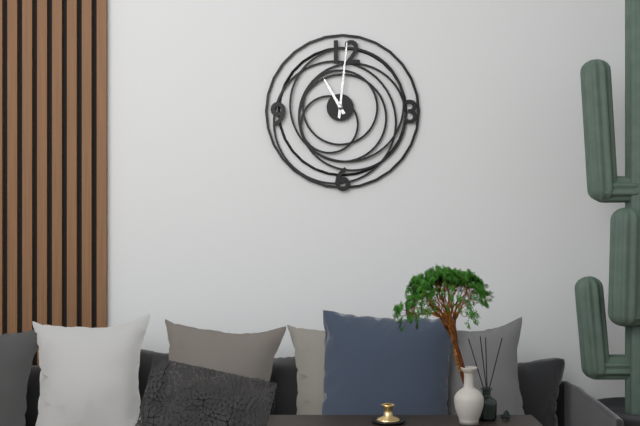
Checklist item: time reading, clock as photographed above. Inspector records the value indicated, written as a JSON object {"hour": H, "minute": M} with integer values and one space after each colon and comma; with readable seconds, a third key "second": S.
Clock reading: {"hour": 11, "minute": 1}
